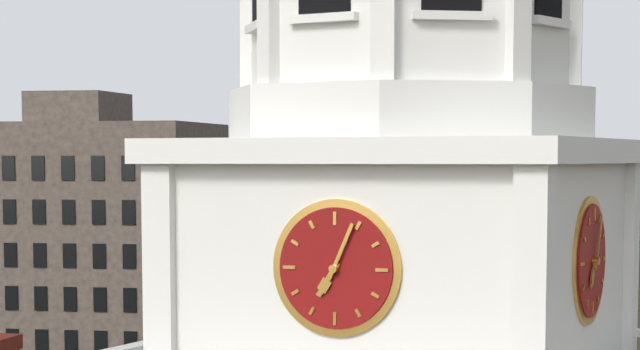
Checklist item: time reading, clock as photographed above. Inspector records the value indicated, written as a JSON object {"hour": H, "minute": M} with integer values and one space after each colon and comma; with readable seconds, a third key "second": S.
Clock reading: {"hour": 7, "minute": 4}
